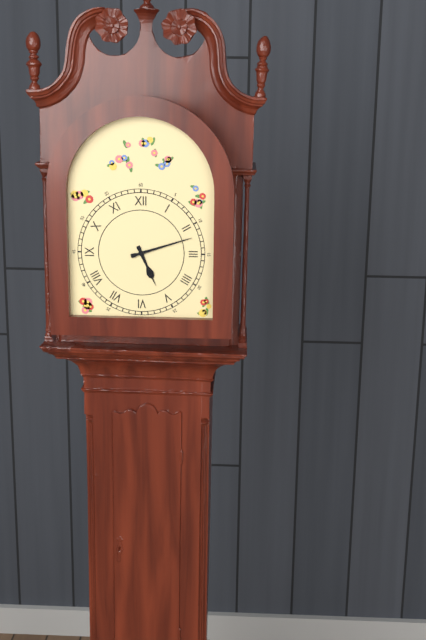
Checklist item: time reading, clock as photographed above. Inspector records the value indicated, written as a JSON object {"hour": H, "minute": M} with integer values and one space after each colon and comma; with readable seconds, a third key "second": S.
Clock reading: {"hour": 5, "minute": 12}
